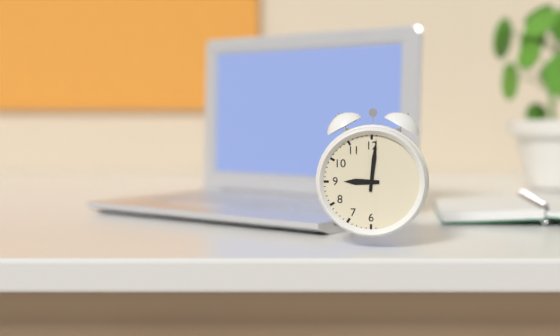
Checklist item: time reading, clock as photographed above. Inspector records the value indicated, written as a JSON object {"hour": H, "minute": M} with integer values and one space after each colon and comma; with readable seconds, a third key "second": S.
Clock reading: {"hour": 9, "minute": 1}
